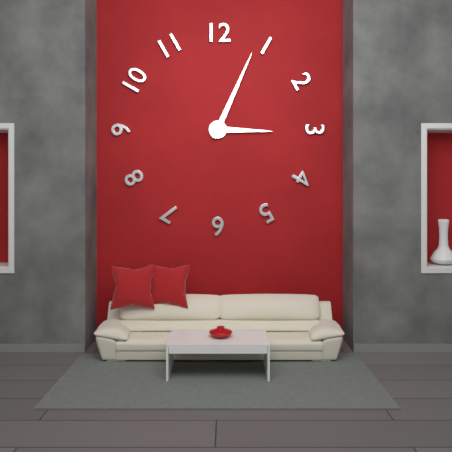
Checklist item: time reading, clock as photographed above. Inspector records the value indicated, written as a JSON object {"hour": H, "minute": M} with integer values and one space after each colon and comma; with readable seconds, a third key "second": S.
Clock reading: {"hour": 3, "minute": 4}
